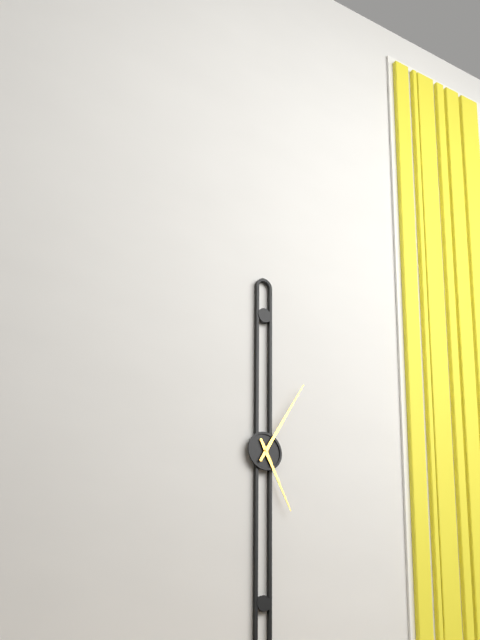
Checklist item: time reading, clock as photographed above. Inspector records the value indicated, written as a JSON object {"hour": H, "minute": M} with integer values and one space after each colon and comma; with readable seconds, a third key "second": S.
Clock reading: {"hour": 5, "minute": 5}
